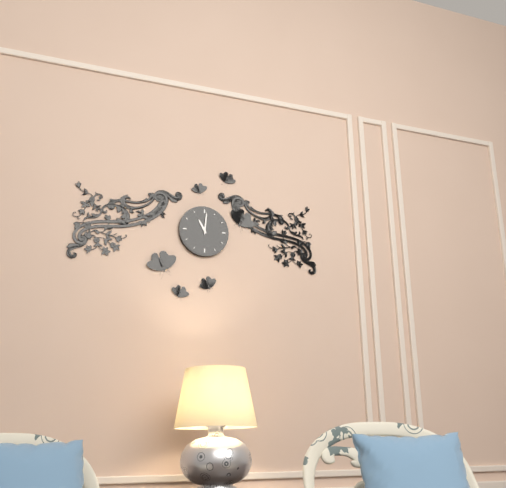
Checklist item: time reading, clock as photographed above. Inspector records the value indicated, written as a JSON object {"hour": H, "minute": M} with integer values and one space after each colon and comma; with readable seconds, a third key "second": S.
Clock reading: {"hour": 11, "minute": 1}
